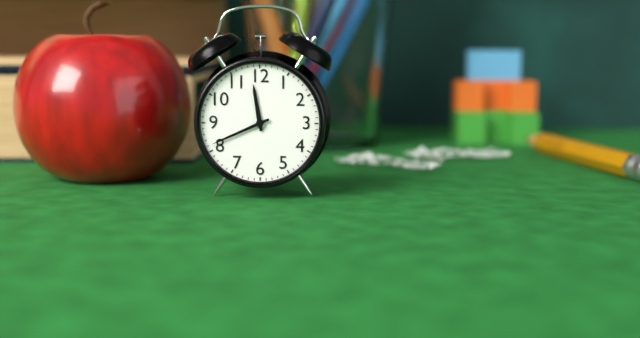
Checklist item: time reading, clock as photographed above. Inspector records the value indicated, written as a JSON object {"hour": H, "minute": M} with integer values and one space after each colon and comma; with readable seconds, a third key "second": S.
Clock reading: {"hour": 11, "minute": 41}
